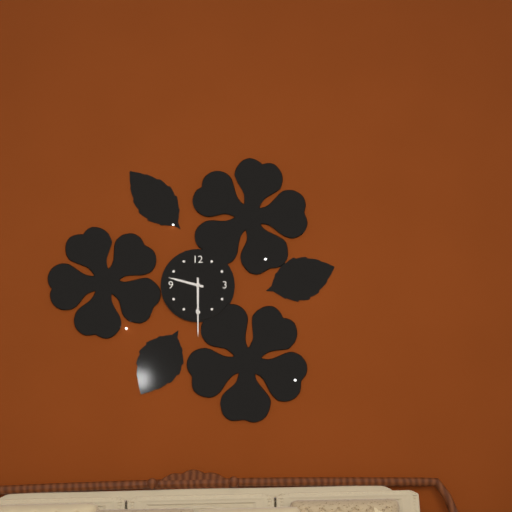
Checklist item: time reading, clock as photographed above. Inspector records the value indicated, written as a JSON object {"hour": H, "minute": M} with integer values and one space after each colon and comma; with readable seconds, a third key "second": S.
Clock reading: {"hour": 9, "minute": 30}
